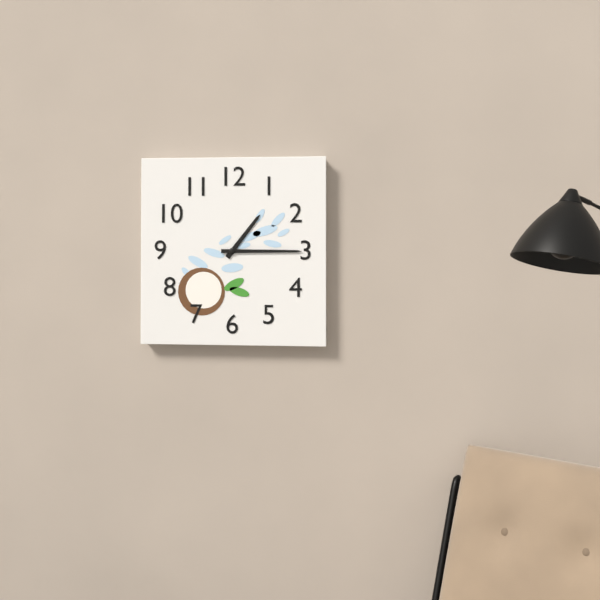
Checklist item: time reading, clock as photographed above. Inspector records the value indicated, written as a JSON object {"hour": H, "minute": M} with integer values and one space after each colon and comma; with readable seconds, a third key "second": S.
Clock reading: {"hour": 1, "minute": 15}
